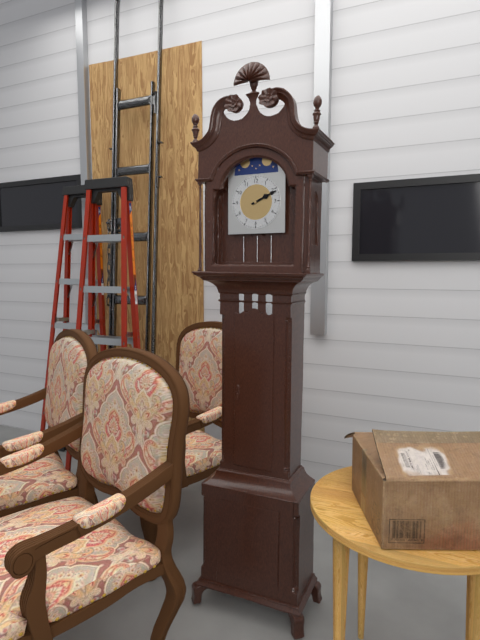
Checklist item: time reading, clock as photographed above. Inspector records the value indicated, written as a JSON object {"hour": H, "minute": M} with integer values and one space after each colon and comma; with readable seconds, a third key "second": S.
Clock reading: {"hour": 2, "minute": 11}
